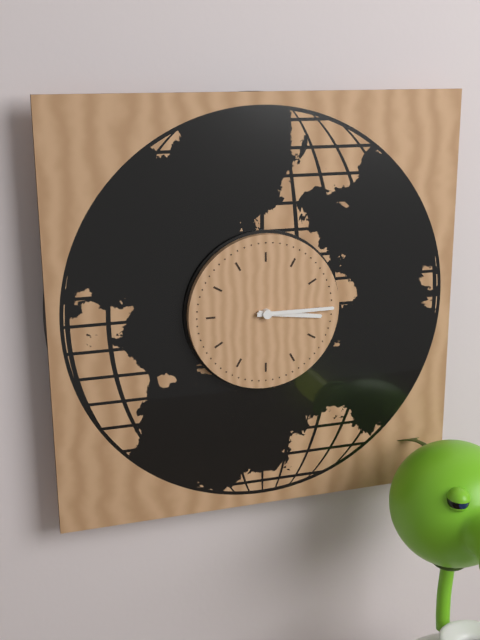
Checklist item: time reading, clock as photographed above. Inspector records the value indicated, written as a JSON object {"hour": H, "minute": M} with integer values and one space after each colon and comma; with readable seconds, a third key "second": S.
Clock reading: {"hour": 3, "minute": 15}
